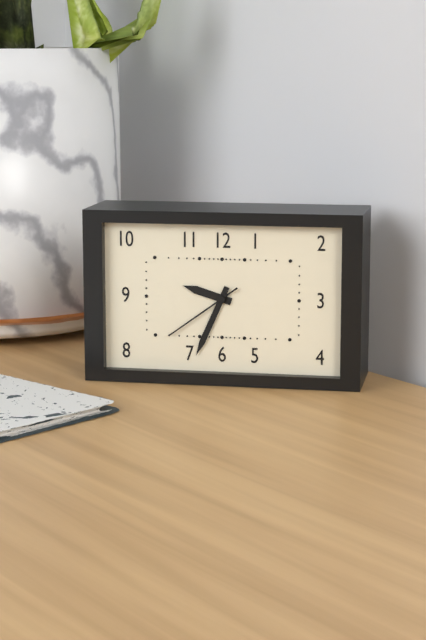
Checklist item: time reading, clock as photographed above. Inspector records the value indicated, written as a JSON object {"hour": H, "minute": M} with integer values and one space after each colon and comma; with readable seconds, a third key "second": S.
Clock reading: {"hour": 9, "minute": 34, "second": 39}
